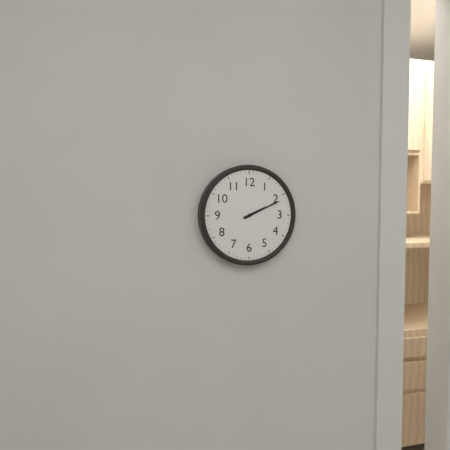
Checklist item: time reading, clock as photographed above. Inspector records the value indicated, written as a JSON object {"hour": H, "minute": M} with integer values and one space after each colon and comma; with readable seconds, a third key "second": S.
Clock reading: {"hour": 2, "minute": 11}
